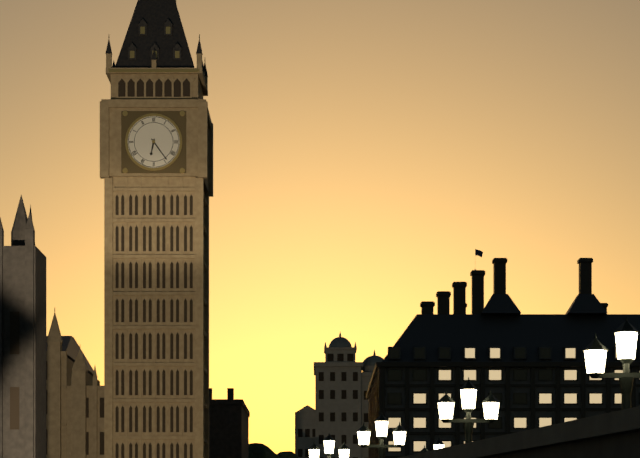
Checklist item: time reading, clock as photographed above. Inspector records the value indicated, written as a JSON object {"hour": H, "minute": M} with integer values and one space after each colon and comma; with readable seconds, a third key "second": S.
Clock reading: {"hour": 6, "minute": 24}
